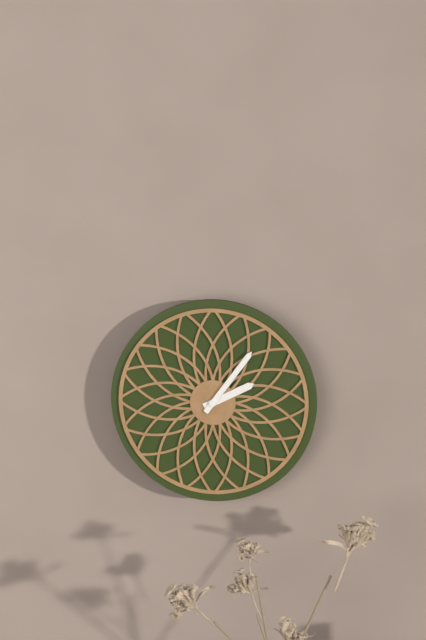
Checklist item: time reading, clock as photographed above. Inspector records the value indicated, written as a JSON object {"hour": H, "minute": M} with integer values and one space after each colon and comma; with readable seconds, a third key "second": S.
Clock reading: {"hour": 2, "minute": 6}
